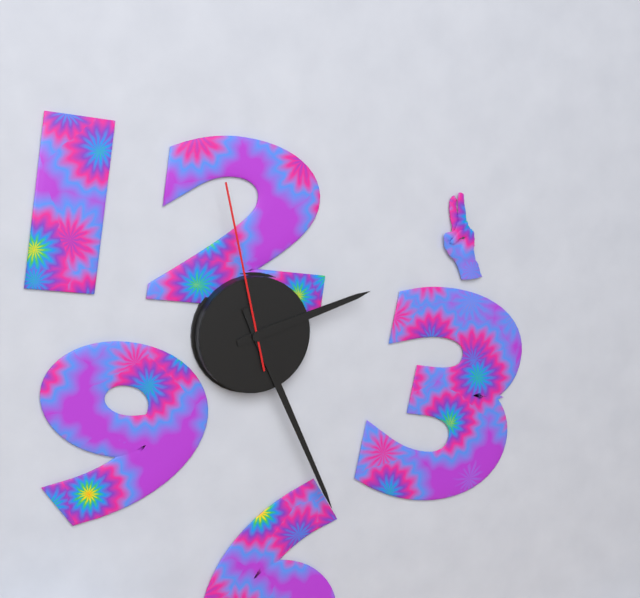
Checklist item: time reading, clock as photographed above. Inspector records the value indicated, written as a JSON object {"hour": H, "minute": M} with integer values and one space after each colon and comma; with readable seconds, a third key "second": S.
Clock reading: {"hour": 2, "minute": 26, "second": 58}
